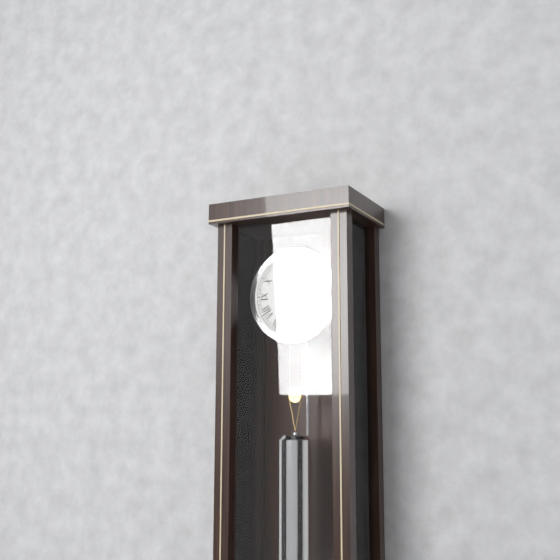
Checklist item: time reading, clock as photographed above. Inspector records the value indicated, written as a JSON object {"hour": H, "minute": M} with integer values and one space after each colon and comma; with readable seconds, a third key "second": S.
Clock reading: {"hour": 11, "minute": 28}
